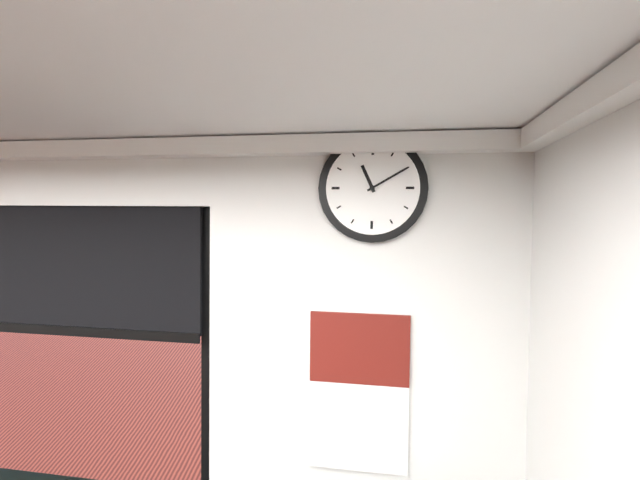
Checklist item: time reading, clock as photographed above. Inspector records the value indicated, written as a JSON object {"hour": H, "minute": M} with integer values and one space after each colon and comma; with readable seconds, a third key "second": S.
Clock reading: {"hour": 11, "minute": 10}
